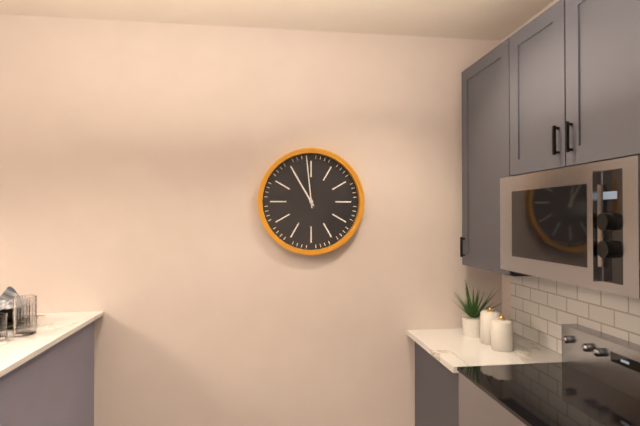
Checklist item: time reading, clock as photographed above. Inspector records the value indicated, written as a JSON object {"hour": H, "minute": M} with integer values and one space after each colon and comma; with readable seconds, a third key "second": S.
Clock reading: {"hour": 10, "minute": 59}
